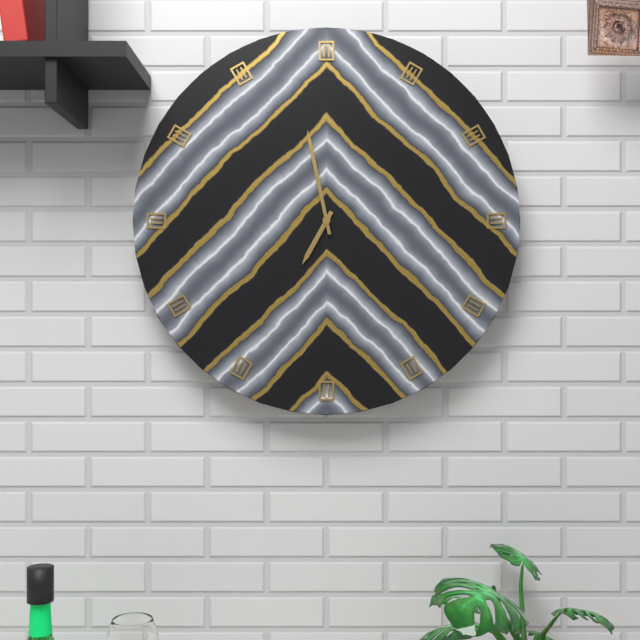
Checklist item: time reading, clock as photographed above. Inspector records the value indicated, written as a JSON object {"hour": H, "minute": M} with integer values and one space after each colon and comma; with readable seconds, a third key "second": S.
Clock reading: {"hour": 6, "minute": 58}
